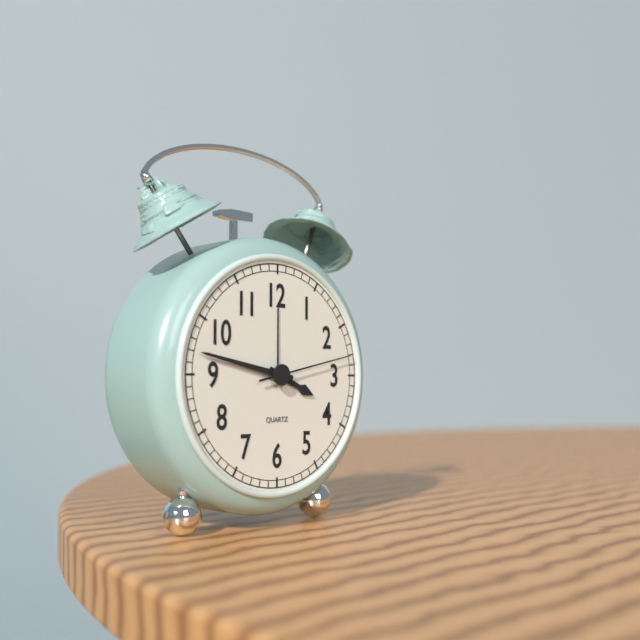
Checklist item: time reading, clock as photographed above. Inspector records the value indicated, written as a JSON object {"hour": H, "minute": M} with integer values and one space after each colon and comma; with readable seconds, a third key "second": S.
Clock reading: {"hour": 3, "minute": 47, "second": 13}
